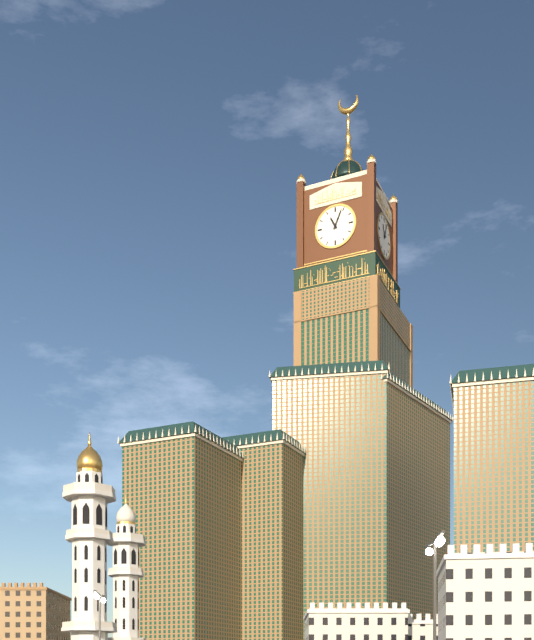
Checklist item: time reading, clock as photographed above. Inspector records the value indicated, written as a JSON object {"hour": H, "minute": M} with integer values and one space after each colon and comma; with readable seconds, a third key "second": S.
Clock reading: {"hour": 11, "minute": 4}
